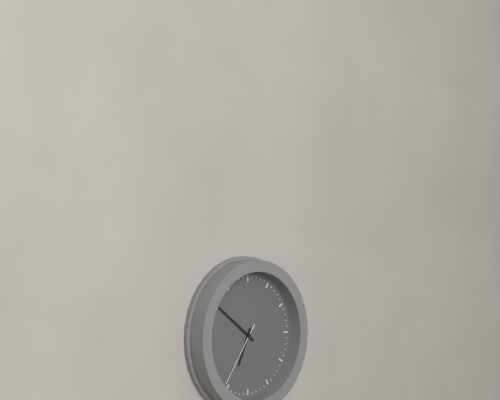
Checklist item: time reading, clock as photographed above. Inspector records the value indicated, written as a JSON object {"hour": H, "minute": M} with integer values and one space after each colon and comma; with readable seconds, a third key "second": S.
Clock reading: {"hour": 6, "minute": 51, "second": 36}
